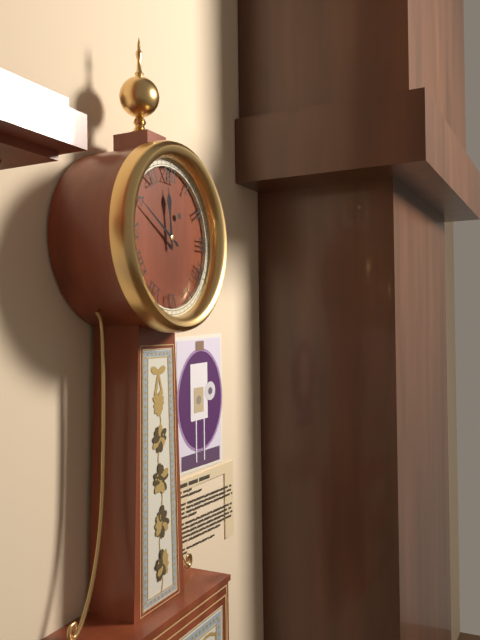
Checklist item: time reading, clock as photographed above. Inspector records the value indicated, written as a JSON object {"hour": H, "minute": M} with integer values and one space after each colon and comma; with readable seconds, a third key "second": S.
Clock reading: {"hour": 11, "minute": 50}
